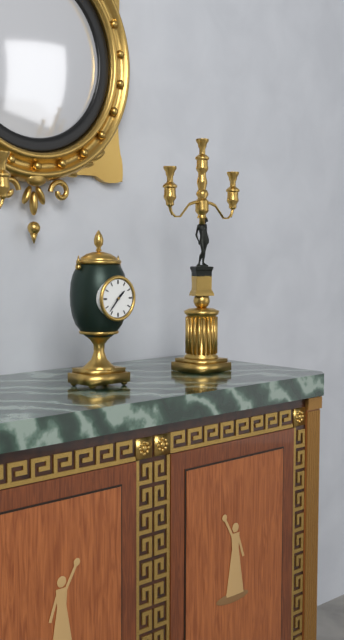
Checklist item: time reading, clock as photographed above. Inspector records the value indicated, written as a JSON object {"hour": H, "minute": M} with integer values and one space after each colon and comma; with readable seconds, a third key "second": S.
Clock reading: {"hour": 1, "minute": 37}
